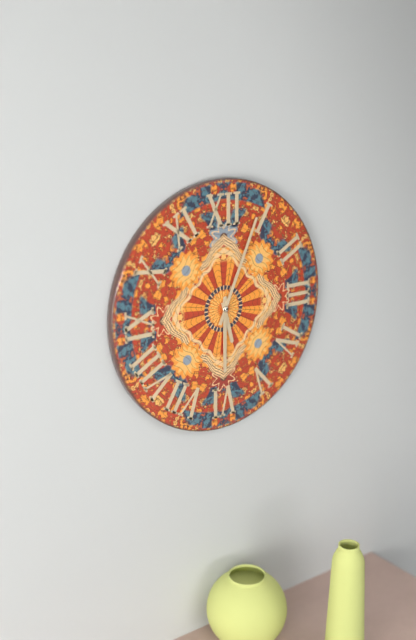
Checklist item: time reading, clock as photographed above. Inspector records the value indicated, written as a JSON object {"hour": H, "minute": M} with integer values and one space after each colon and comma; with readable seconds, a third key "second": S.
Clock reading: {"hour": 5, "minute": 30, "second": 4}
